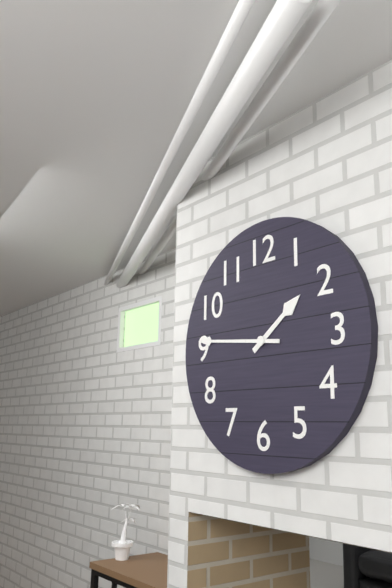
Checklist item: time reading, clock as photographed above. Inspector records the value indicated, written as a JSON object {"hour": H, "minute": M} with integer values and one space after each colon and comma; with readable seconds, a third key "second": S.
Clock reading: {"hour": 1, "minute": 46}
